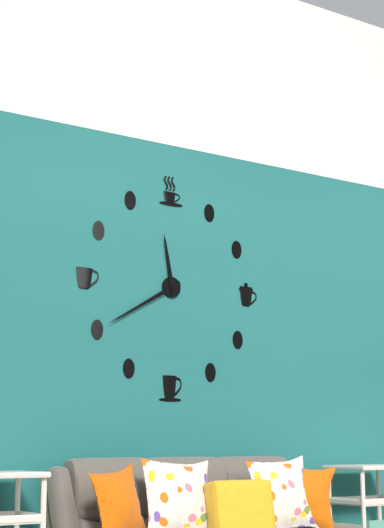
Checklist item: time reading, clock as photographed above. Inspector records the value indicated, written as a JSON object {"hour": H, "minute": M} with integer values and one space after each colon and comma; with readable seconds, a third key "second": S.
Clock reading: {"hour": 11, "minute": 40}
